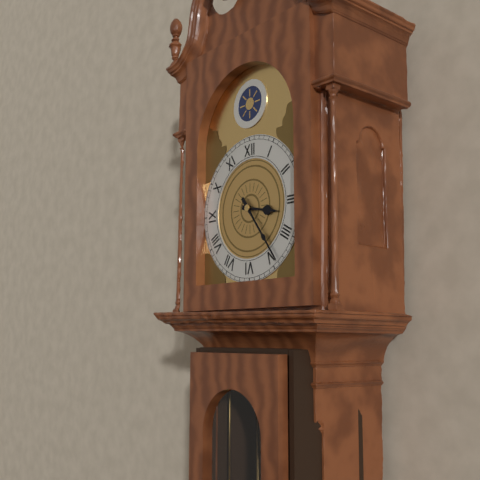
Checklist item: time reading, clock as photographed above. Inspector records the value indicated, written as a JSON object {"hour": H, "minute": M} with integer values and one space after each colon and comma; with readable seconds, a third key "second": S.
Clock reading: {"hour": 3, "minute": 24}
